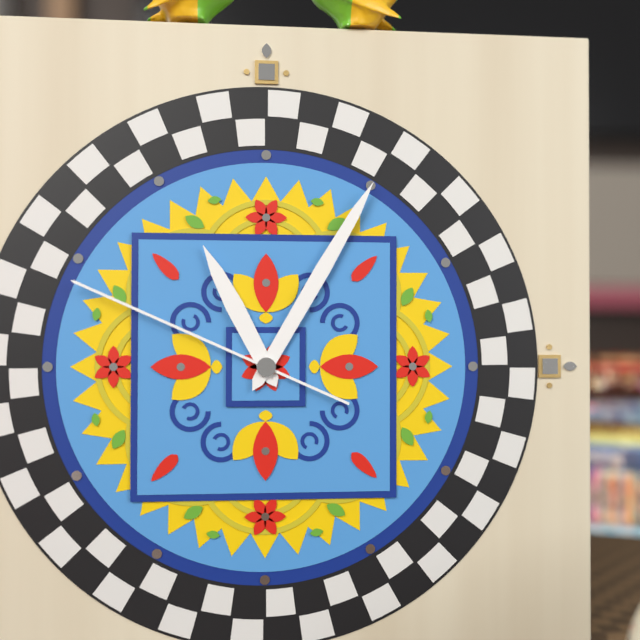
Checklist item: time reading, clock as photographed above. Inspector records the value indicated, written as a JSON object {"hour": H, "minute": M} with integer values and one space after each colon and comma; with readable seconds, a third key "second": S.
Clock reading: {"hour": 11, "minute": 5, "second": 49}
